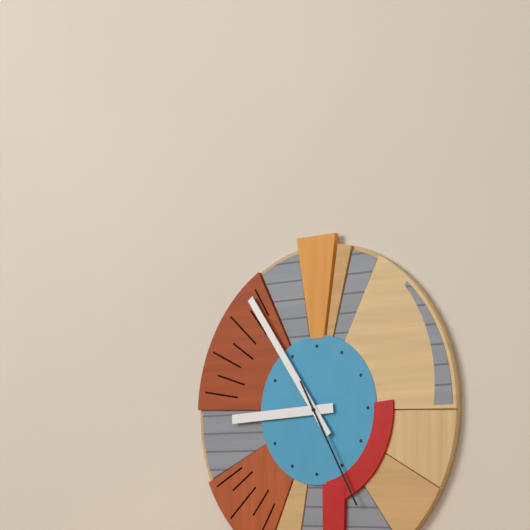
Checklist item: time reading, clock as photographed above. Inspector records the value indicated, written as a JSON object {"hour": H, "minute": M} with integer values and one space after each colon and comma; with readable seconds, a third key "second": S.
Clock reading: {"hour": 8, "minute": 54, "second": 25}
